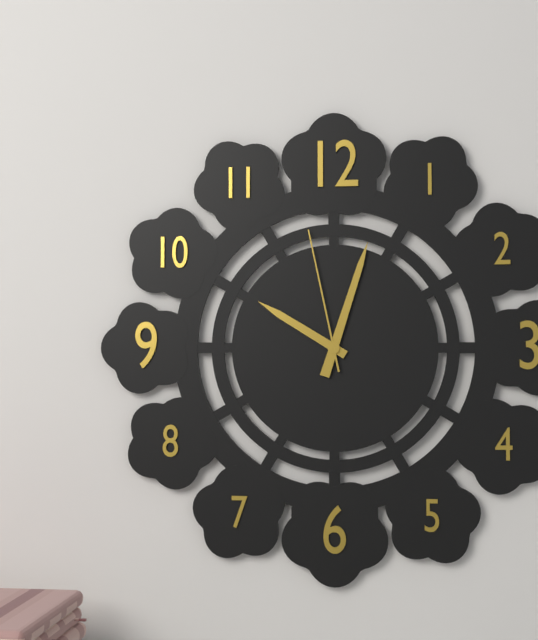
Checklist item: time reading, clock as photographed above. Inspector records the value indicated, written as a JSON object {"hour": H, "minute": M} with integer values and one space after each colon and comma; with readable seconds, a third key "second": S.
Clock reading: {"hour": 10, "minute": 3, "second": 58}
